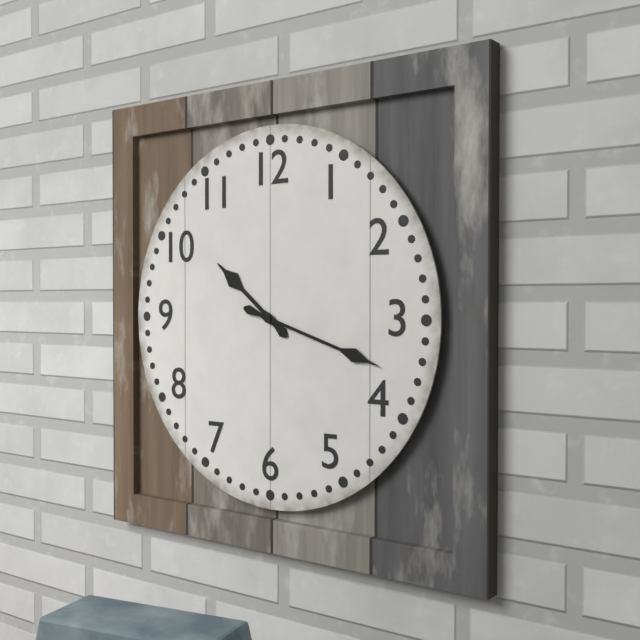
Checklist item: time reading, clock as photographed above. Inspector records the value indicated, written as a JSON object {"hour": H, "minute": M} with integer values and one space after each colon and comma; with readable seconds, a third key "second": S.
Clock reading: {"hour": 10, "minute": 18}
